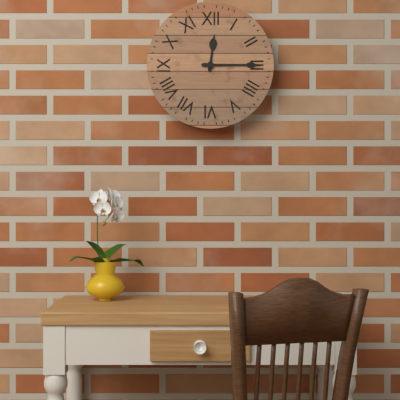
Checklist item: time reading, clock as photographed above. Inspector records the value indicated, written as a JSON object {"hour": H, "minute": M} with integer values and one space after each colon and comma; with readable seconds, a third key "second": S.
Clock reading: {"hour": 12, "minute": 15}
